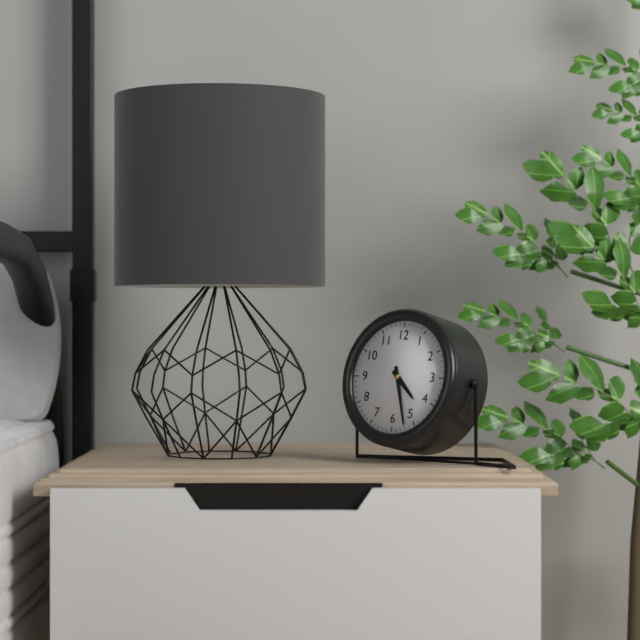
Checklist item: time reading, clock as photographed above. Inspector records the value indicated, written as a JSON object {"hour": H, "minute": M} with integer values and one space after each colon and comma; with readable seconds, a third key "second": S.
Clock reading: {"hour": 4, "minute": 27}
